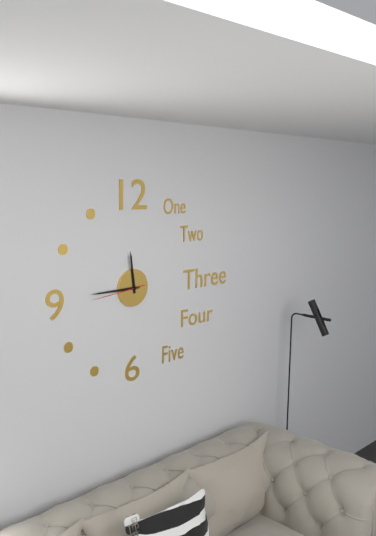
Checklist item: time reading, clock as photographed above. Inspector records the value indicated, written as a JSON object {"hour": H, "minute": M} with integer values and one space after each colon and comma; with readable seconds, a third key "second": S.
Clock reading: {"hour": 11, "minute": 45, "second": 44}
